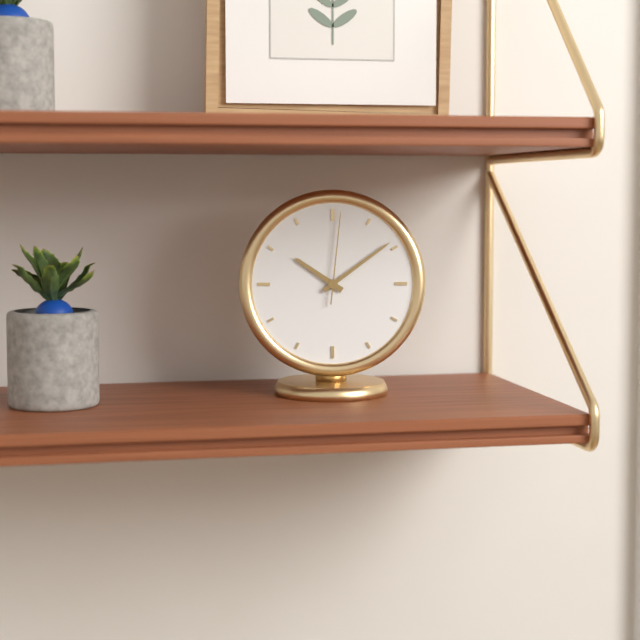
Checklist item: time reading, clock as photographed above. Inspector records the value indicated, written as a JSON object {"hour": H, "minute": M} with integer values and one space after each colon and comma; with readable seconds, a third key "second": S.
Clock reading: {"hour": 10, "minute": 9, "second": 1}
